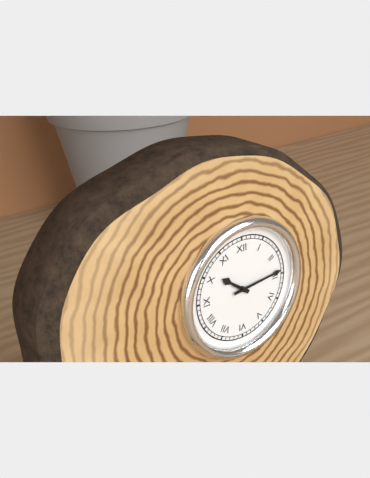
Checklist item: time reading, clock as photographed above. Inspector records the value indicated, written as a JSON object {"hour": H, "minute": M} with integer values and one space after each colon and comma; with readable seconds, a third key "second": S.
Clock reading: {"hour": 10, "minute": 14}
